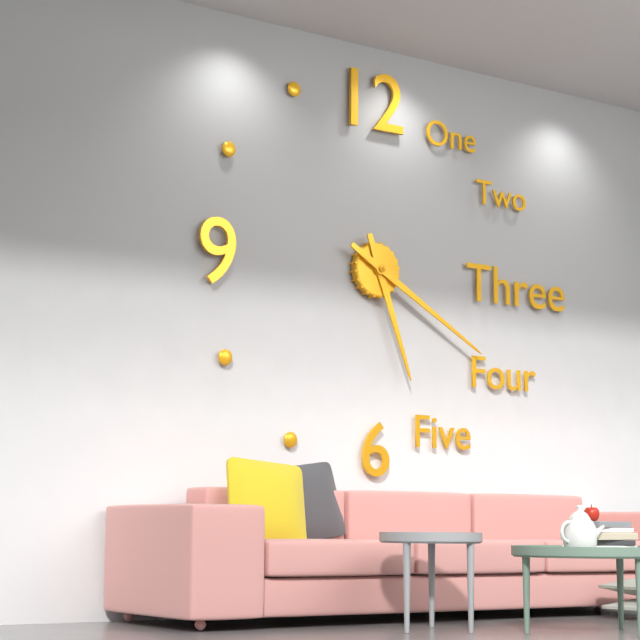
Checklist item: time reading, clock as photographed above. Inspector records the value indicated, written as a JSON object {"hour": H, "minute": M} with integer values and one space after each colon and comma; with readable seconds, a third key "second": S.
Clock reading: {"hour": 5, "minute": 20}
